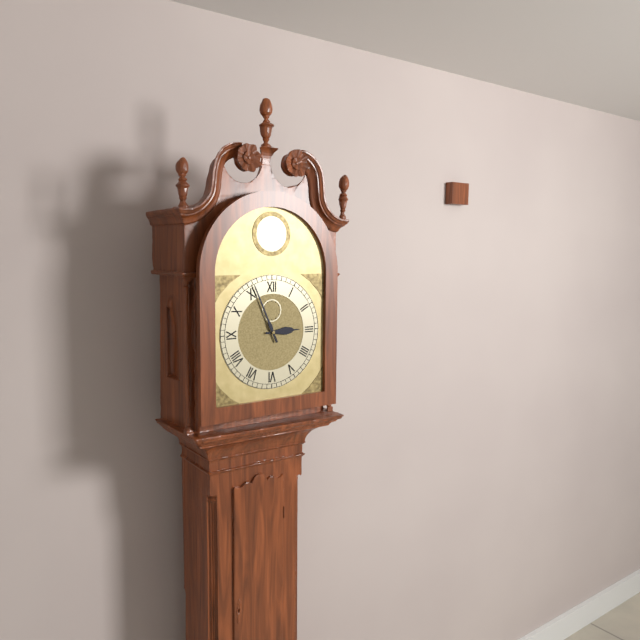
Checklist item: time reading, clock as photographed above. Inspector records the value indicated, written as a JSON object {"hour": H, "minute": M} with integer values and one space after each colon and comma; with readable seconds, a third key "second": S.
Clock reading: {"hour": 2, "minute": 56}
